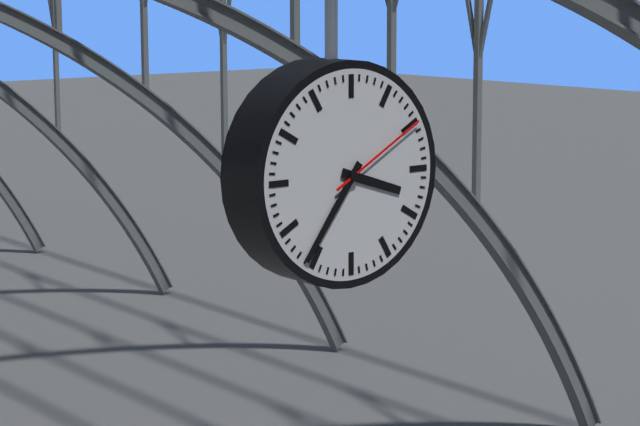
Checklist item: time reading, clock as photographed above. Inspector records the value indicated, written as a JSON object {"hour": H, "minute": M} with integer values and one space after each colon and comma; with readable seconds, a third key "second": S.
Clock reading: {"hour": 3, "minute": 36, "second": 10}
